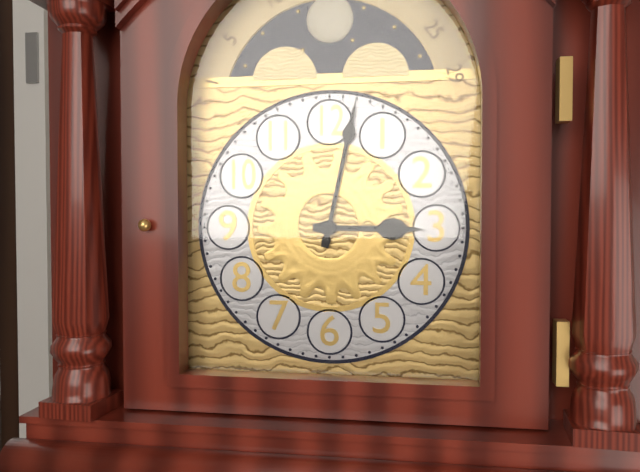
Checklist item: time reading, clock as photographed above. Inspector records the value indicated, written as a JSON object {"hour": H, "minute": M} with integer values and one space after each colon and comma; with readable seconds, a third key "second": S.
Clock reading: {"hour": 3, "minute": 2}
